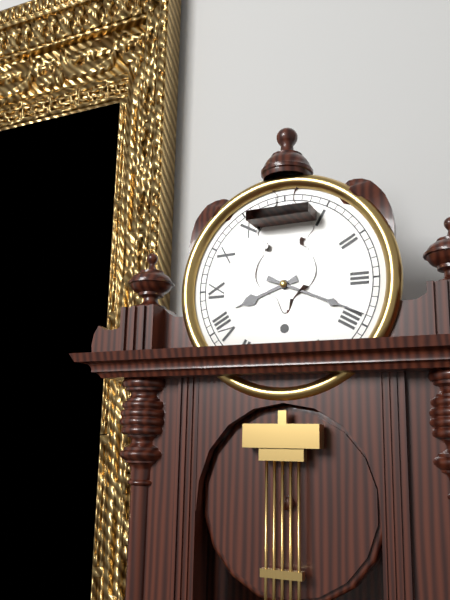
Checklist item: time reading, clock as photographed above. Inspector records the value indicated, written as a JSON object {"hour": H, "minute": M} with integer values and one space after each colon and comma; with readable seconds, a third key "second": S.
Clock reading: {"hour": 8, "minute": 19}
